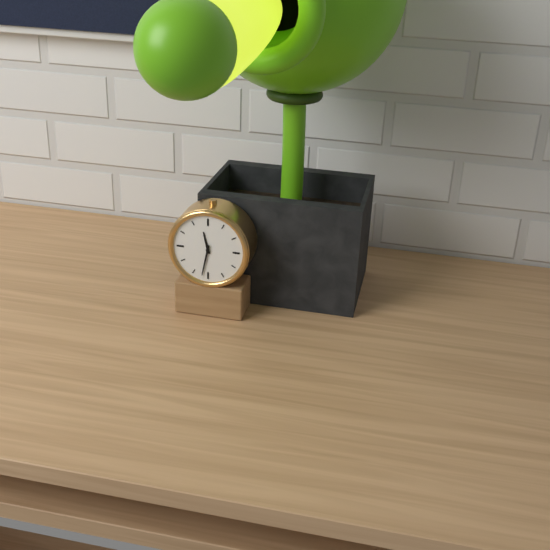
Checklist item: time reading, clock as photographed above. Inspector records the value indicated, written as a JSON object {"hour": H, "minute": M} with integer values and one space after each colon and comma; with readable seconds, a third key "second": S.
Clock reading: {"hour": 11, "minute": 32}
